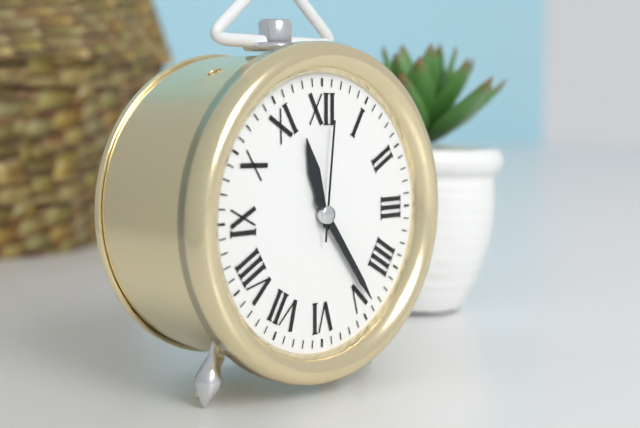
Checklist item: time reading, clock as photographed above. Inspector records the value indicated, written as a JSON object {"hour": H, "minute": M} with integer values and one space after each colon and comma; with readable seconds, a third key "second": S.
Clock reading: {"hour": 11, "minute": 24, "second": 1}
